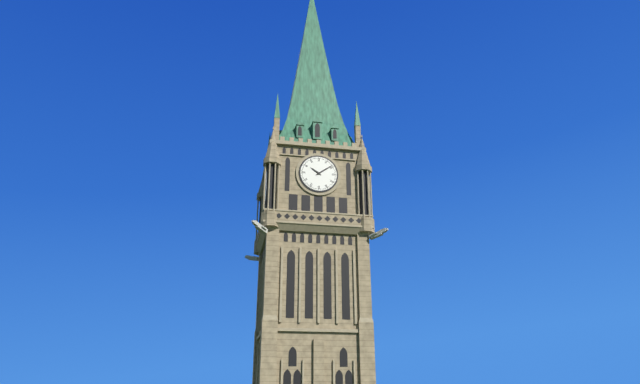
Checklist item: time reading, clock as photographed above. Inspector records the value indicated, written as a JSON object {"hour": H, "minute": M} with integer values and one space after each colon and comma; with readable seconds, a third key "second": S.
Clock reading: {"hour": 10, "minute": 9}
